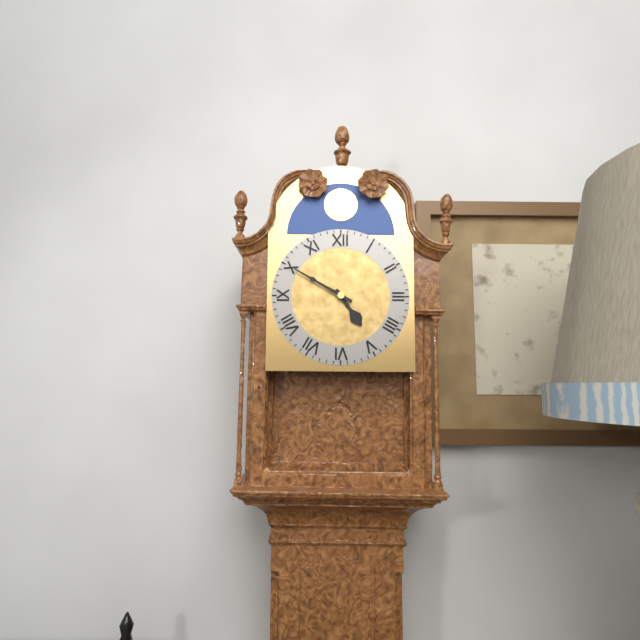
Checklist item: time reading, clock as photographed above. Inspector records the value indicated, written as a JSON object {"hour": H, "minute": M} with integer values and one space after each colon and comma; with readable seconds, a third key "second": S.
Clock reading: {"hour": 4, "minute": 50}
